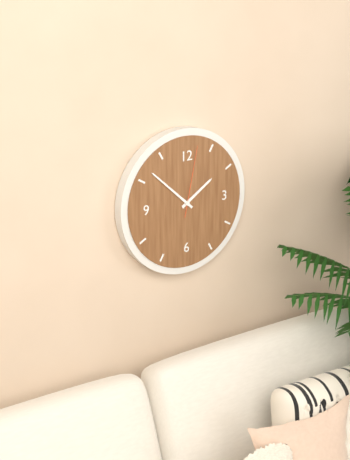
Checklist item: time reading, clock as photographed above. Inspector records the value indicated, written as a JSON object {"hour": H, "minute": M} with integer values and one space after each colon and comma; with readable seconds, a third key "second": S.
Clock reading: {"hour": 1, "minute": 52, "second": 2}
